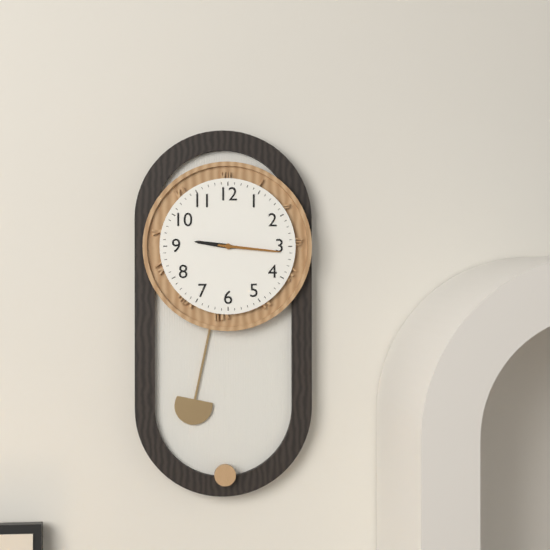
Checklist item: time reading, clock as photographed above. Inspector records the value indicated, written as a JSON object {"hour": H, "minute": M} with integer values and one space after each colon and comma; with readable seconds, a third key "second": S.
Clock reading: {"hour": 9, "minute": 16}
